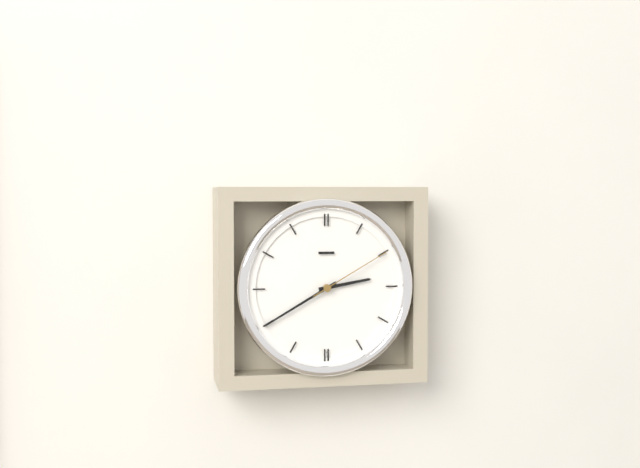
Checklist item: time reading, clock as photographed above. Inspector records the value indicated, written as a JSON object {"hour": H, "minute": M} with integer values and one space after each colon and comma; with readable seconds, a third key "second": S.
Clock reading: {"hour": 2, "minute": 40, "second": 10}
